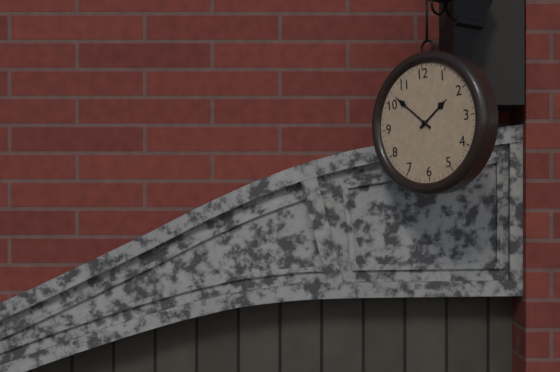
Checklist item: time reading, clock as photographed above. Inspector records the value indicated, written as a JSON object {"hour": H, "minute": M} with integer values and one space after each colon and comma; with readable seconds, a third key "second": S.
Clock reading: {"hour": 1, "minute": 52}
